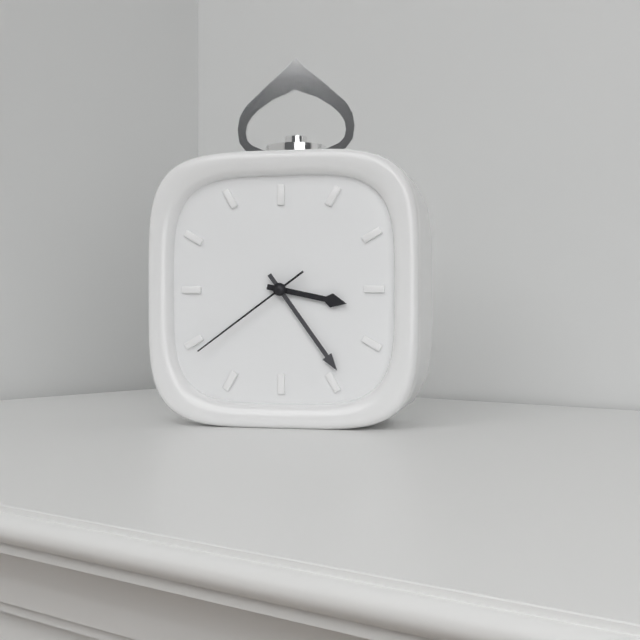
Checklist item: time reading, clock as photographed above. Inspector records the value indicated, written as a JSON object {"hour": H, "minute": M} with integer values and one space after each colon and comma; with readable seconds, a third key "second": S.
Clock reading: {"hour": 3, "minute": 24, "second": 39}
